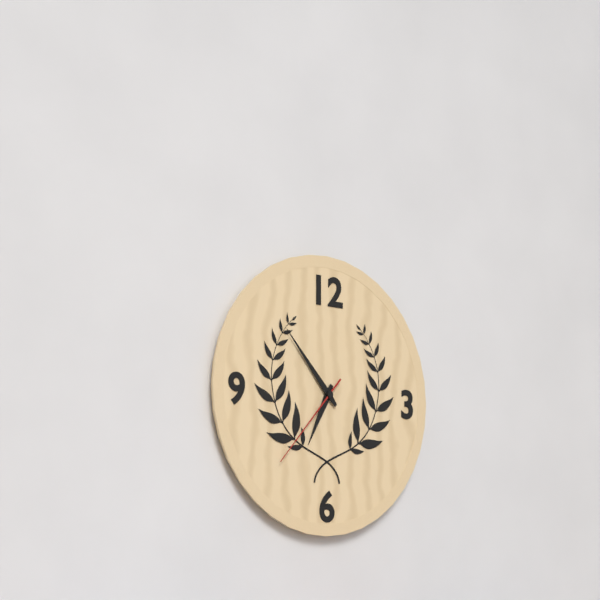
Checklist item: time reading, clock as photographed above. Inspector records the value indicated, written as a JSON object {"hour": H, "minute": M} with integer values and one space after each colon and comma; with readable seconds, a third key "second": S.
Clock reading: {"hour": 6, "minute": 53, "second": 37}
